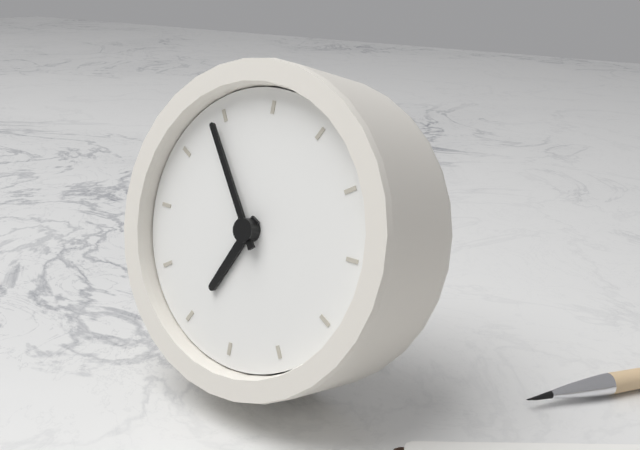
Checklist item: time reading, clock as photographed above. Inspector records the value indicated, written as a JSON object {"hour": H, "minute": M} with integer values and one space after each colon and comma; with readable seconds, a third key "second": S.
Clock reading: {"hour": 6, "minute": 54}
